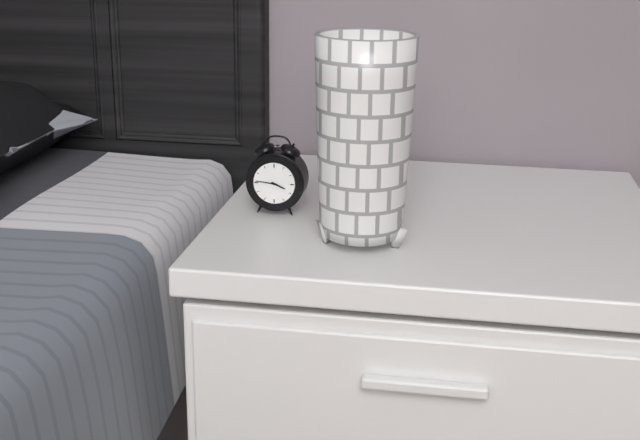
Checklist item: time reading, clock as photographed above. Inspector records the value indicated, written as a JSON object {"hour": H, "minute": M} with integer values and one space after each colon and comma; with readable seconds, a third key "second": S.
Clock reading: {"hour": 3, "minute": 46}
